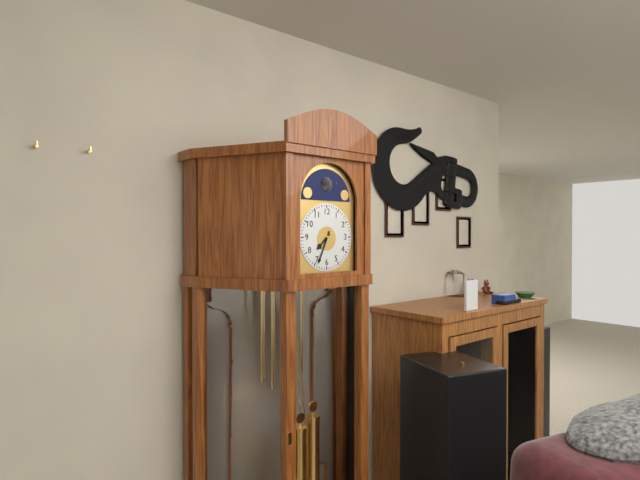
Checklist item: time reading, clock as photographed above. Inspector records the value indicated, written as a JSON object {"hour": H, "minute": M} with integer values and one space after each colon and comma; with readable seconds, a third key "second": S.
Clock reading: {"hour": 7, "minute": 34}
